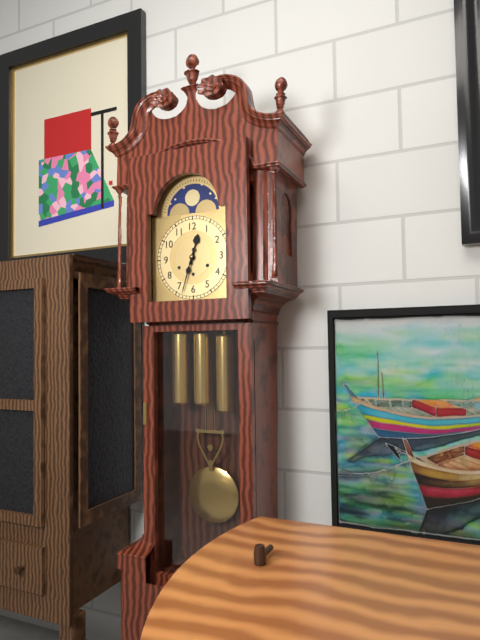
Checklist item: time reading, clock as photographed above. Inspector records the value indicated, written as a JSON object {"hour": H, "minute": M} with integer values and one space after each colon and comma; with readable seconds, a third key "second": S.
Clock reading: {"hour": 12, "minute": 33}
